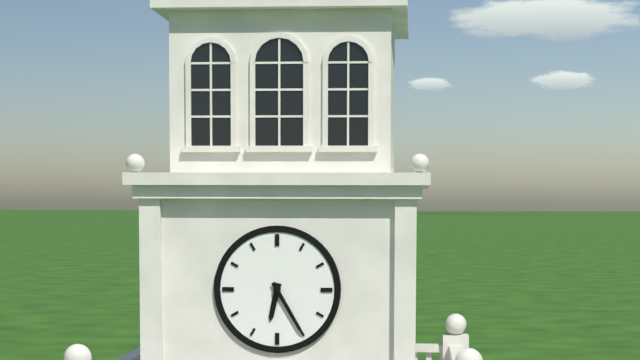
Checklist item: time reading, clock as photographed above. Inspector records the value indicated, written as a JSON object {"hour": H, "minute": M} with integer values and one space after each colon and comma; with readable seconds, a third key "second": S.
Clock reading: {"hour": 6, "minute": 25}
